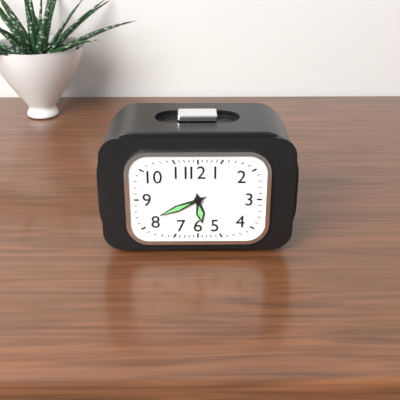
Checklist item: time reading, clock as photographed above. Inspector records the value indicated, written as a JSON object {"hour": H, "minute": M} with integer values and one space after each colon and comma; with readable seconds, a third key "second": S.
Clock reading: {"hour": 5, "minute": 41}
